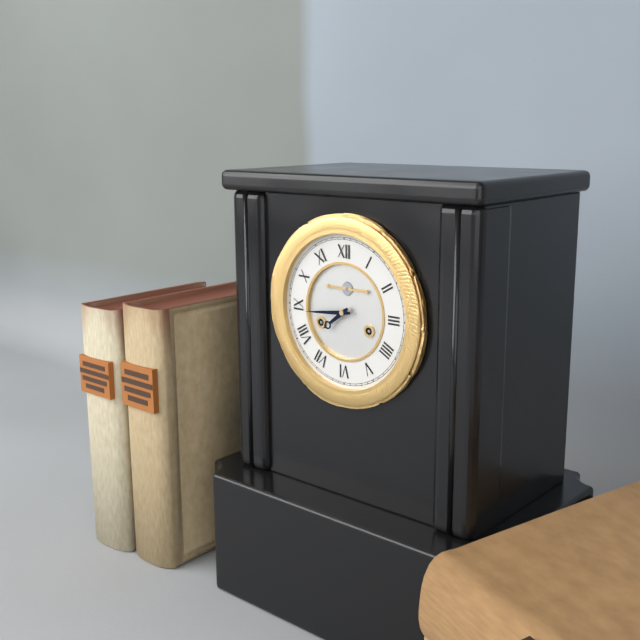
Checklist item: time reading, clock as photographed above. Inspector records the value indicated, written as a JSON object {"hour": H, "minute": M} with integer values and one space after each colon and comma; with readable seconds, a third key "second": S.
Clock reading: {"hour": 7, "minute": 44}
